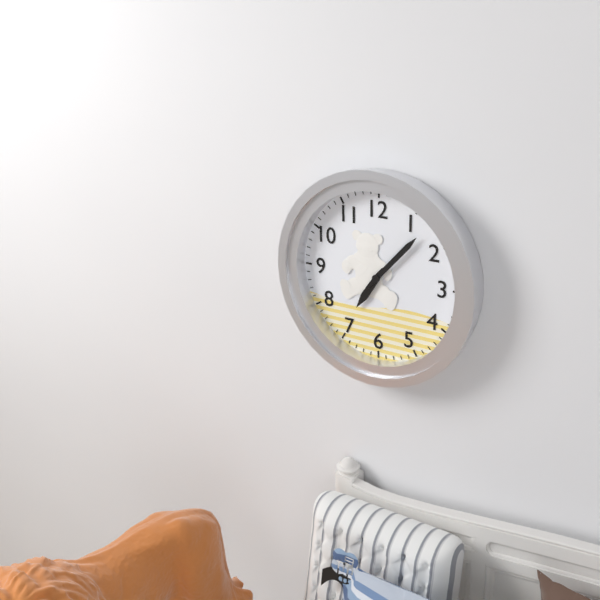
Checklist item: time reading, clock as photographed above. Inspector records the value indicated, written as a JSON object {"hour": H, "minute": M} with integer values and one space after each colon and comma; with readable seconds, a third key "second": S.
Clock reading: {"hour": 7, "minute": 7}
